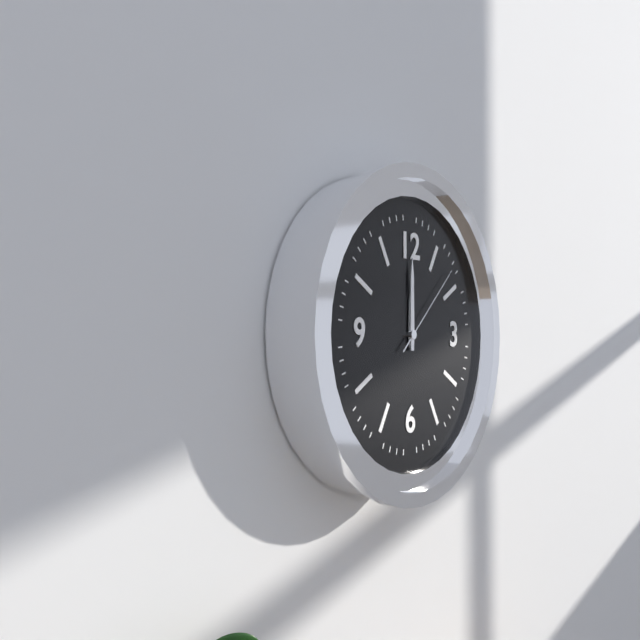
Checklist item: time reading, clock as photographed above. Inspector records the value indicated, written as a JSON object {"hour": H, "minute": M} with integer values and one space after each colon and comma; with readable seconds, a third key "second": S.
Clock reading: {"hour": 12, "minute": 0, "second": 8}
